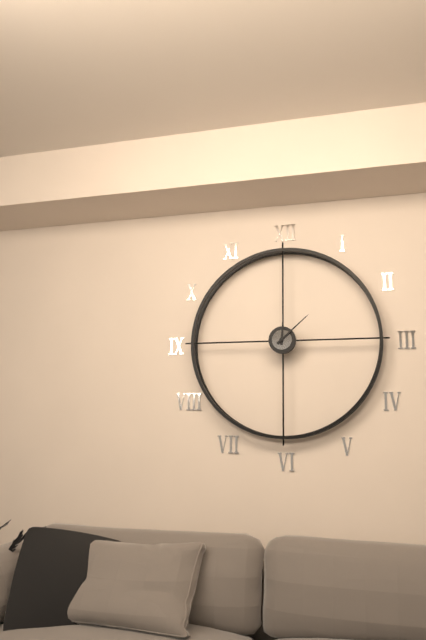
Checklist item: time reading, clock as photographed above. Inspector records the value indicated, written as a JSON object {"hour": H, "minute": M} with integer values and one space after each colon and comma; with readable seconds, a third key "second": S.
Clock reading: {"hour": 12, "minute": 8}
